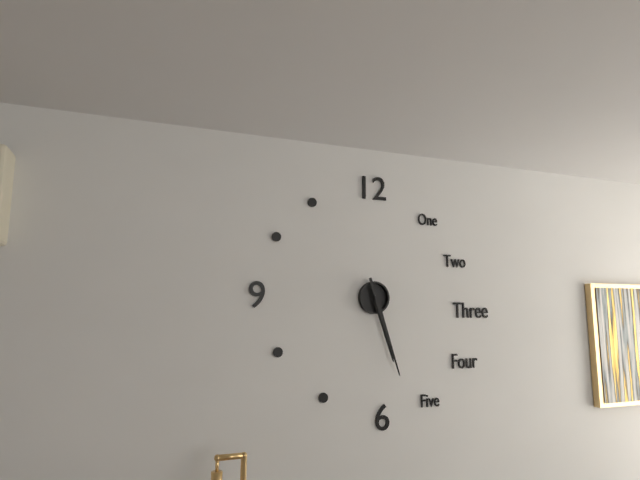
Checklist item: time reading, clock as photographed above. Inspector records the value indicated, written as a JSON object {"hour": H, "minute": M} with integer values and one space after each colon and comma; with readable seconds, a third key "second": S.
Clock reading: {"hour": 5, "minute": 27}
